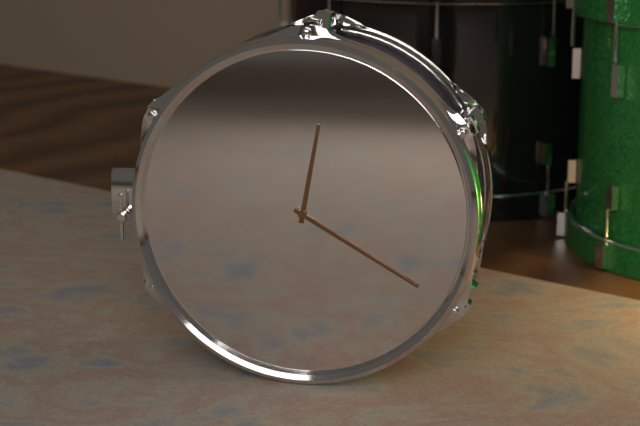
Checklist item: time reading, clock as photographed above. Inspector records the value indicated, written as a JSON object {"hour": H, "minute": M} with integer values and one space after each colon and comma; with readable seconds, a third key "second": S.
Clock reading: {"hour": 12, "minute": 20}
